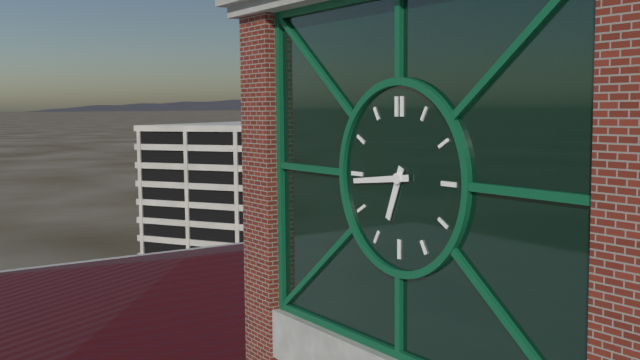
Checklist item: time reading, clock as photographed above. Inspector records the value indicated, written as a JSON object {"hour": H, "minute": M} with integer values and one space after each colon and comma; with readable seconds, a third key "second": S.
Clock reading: {"hour": 6, "minute": 44}
